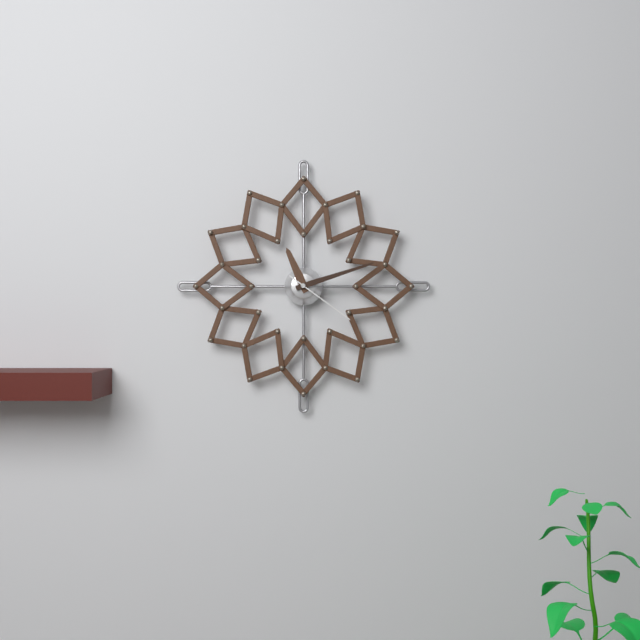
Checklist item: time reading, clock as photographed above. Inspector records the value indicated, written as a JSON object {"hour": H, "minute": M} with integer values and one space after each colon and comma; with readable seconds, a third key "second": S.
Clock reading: {"hour": 11, "minute": 12, "second": 21}
